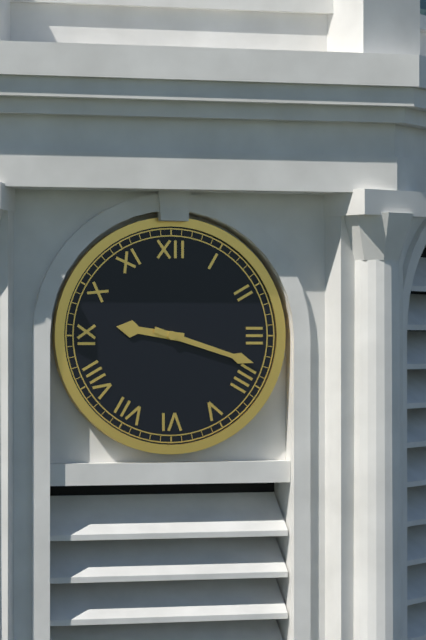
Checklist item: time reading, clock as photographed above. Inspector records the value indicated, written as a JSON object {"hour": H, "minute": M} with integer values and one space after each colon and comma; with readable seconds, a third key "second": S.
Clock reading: {"hour": 9, "minute": 18}
